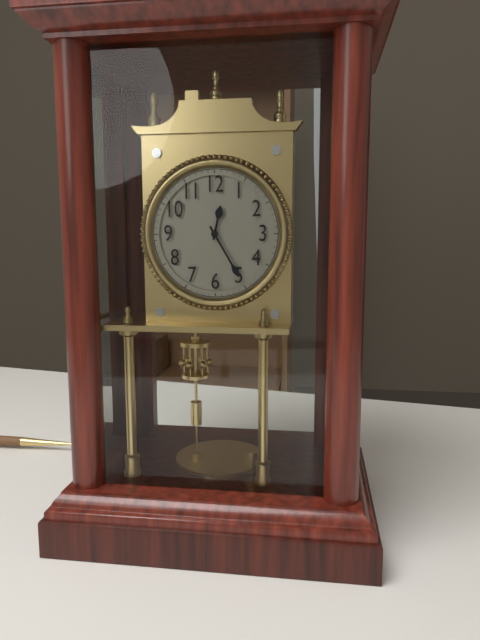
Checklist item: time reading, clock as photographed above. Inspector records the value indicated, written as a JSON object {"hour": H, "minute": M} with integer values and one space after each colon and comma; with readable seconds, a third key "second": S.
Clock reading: {"hour": 12, "minute": 25}
